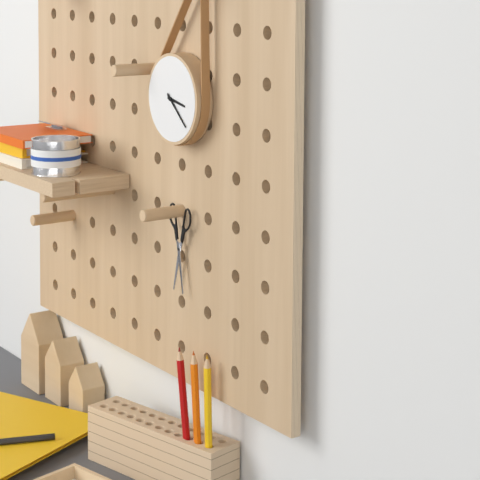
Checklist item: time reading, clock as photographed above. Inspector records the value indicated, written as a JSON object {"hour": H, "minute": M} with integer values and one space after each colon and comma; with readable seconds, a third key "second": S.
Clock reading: {"hour": 3, "minute": 22}
